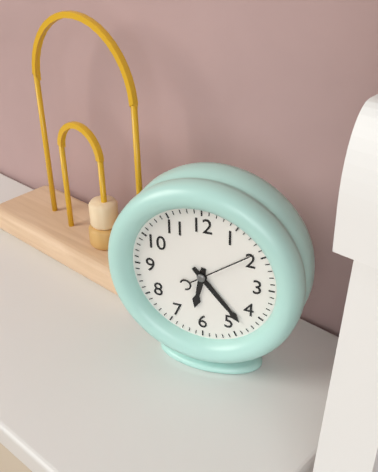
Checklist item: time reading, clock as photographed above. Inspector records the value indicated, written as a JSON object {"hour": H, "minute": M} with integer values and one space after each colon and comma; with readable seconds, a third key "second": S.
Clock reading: {"hour": 6, "minute": 23, "second": 9}
